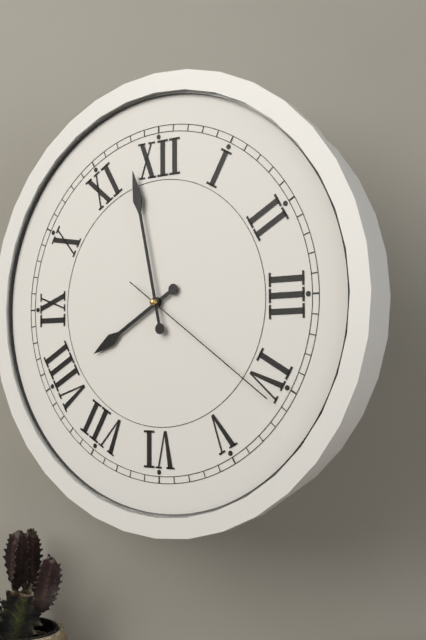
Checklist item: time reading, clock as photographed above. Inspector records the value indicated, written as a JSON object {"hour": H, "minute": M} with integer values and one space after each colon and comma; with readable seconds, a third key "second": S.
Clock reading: {"hour": 7, "minute": 58, "second": 21}
